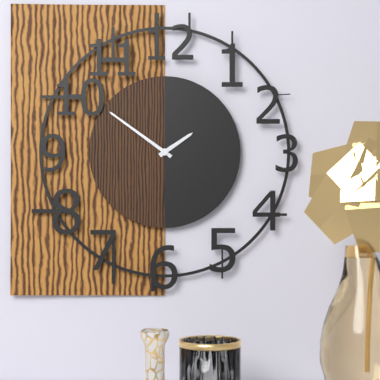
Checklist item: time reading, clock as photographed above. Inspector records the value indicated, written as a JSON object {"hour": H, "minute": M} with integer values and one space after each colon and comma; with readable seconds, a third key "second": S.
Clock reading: {"hour": 1, "minute": 51}
